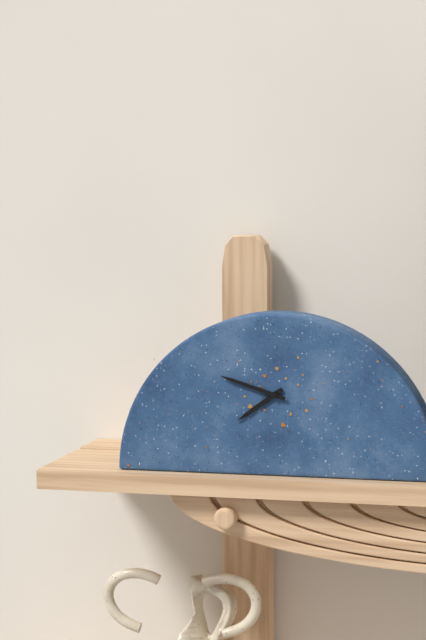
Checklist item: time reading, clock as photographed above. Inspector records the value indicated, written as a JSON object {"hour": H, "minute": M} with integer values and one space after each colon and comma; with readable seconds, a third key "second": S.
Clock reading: {"hour": 7, "minute": 48}
